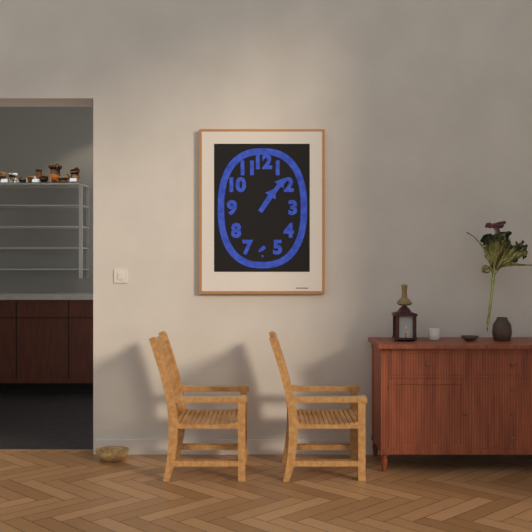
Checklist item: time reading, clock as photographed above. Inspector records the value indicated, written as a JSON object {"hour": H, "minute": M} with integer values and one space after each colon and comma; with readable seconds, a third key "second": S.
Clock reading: {"hour": 1, "minute": 6}
